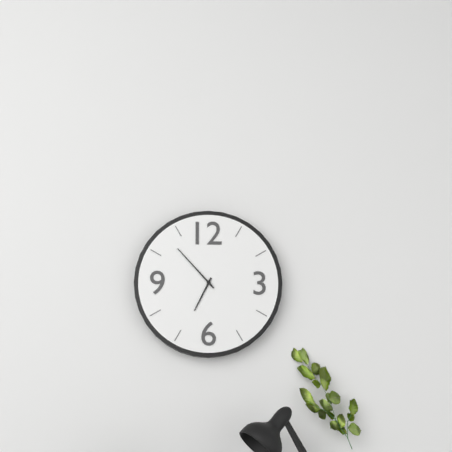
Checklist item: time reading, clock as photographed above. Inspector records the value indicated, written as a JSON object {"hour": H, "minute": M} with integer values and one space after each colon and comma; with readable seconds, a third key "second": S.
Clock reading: {"hour": 6, "minute": 53}
